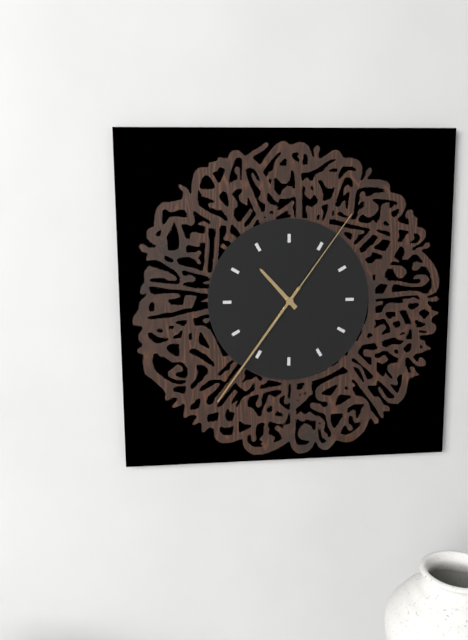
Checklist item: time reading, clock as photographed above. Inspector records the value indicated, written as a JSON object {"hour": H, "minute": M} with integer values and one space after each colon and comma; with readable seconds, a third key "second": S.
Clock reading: {"hour": 10, "minute": 36, "second": 6}
